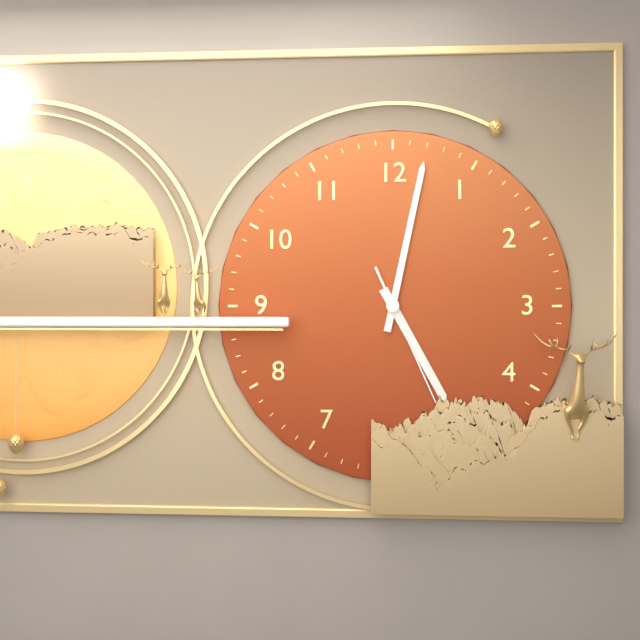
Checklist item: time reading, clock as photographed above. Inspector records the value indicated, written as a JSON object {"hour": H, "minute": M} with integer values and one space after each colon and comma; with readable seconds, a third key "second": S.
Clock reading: {"hour": 5, "minute": 2, "second": 26}
